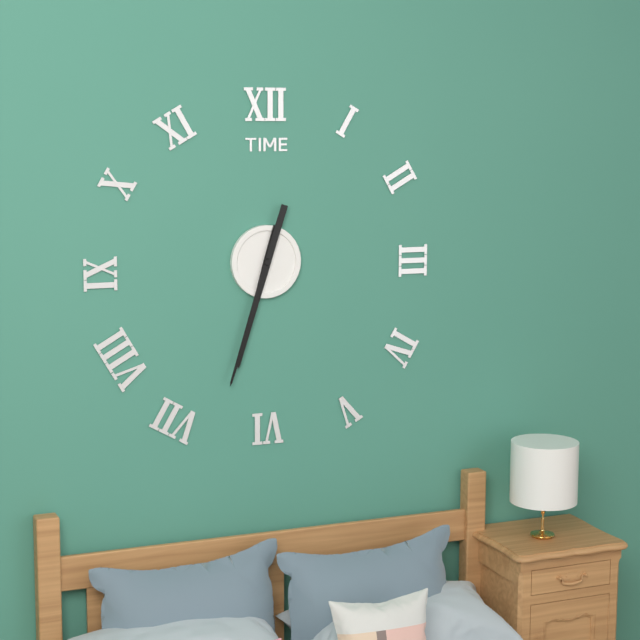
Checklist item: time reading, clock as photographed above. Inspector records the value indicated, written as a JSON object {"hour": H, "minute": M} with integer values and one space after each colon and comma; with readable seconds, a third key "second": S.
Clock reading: {"hour": 6, "minute": 33}
